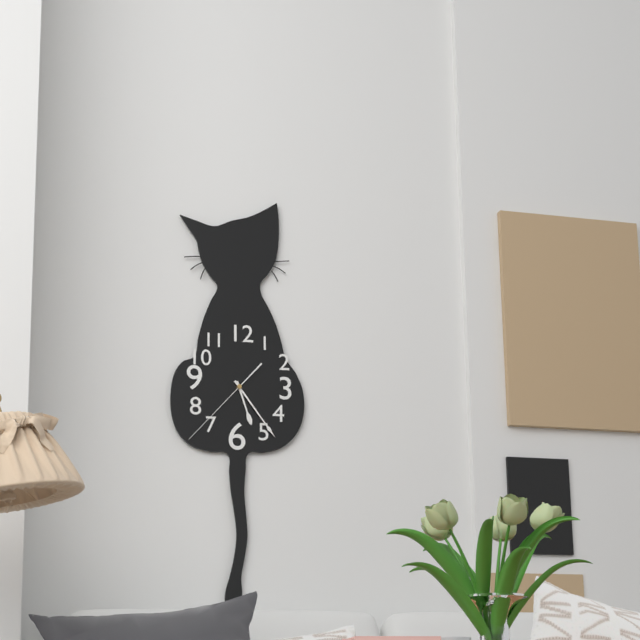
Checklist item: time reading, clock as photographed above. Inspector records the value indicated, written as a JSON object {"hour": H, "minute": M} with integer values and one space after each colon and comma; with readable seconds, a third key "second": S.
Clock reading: {"hour": 5, "minute": 24, "second": 37}
